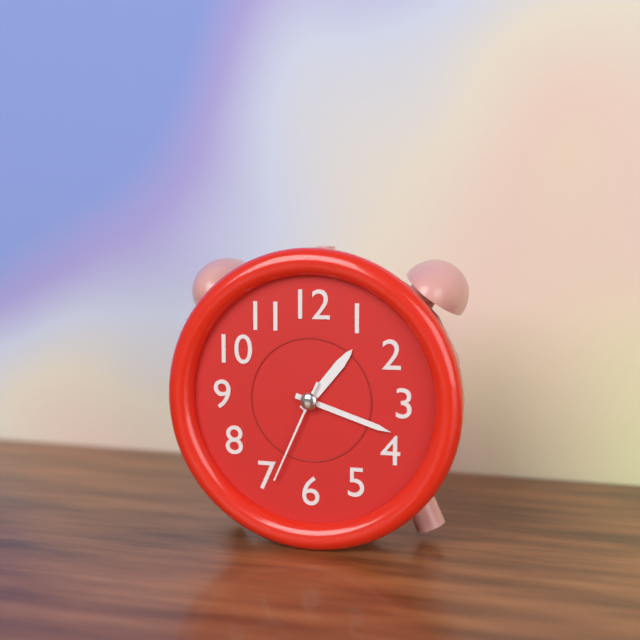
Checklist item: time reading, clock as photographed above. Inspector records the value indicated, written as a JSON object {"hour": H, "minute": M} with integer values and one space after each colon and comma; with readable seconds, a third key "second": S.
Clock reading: {"hour": 1, "minute": 18, "second": 34}
